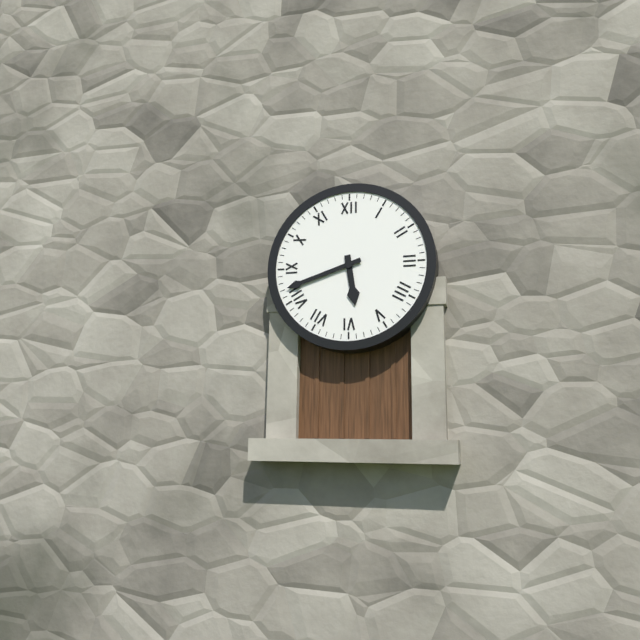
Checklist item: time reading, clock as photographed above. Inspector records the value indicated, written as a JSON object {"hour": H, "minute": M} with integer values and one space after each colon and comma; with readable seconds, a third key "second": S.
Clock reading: {"hour": 5, "minute": 42}
